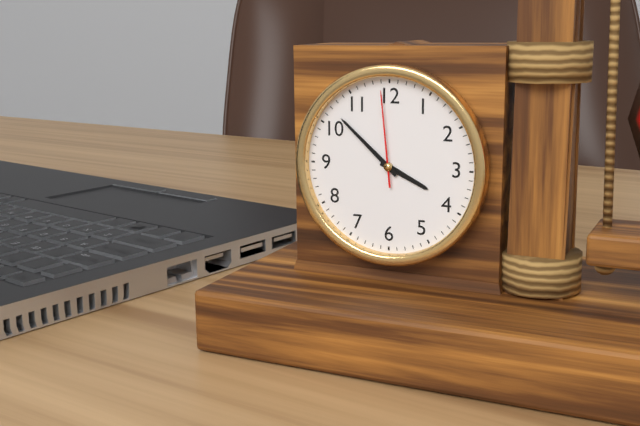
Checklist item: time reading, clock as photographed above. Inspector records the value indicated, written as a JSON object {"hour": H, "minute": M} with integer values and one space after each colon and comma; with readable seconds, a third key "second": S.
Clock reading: {"hour": 3, "minute": 52, "second": 59}
